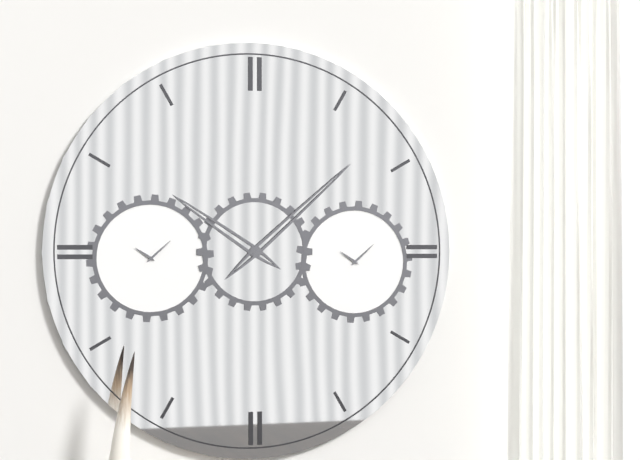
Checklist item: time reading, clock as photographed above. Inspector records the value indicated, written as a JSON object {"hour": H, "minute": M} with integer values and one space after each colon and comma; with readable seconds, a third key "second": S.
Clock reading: {"hour": 10, "minute": 8}
